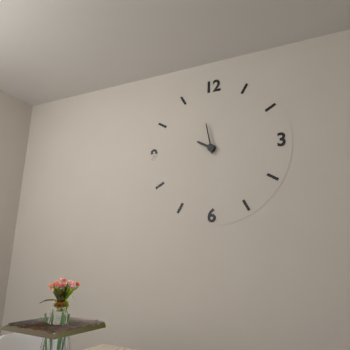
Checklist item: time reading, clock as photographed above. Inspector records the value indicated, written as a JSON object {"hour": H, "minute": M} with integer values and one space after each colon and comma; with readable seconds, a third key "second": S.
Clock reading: {"hour": 9, "minute": 58}
